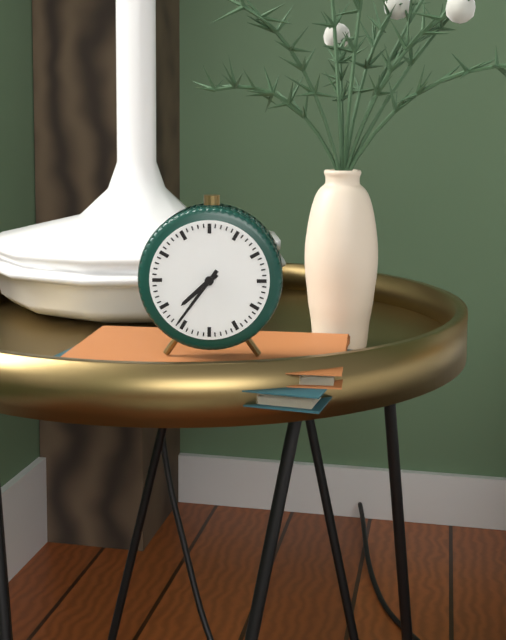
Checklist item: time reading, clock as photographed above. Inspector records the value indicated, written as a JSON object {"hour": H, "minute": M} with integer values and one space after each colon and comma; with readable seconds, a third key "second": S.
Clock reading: {"hour": 7, "minute": 36}
